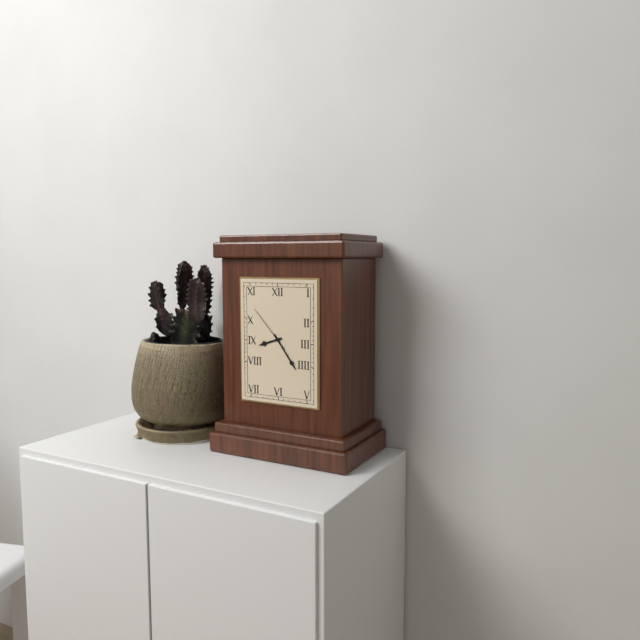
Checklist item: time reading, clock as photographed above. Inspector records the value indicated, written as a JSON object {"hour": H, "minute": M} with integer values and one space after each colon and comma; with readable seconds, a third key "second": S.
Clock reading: {"hour": 8, "minute": 24, "second": 53}
